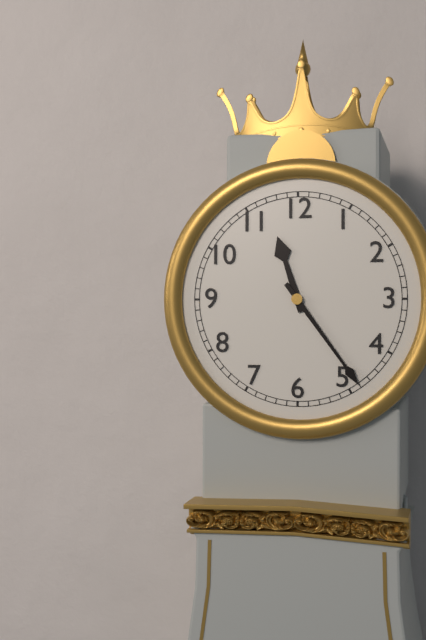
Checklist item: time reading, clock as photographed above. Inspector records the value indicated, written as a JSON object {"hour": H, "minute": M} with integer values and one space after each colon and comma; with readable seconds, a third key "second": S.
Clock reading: {"hour": 11, "minute": 24}
